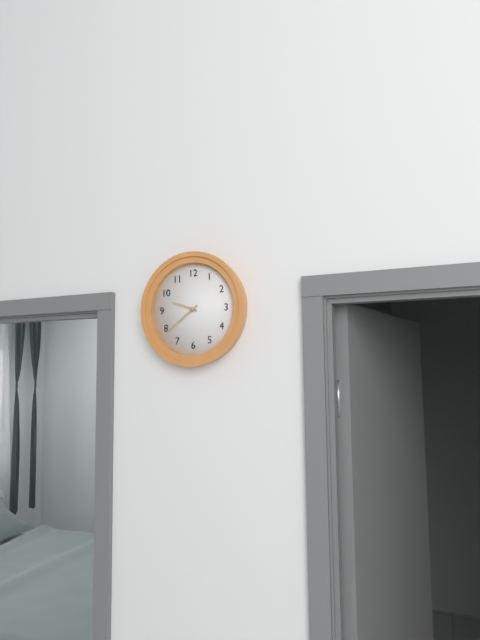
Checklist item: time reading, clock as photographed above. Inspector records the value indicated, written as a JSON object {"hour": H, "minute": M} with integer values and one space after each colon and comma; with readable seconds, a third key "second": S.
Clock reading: {"hour": 9, "minute": 39}
